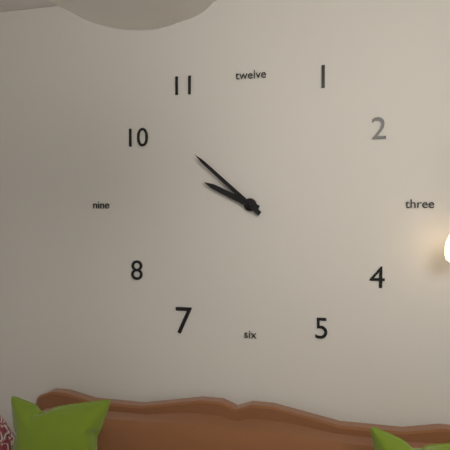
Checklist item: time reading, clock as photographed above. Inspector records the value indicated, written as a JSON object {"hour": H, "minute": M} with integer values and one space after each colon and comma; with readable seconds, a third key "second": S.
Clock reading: {"hour": 9, "minute": 52}
